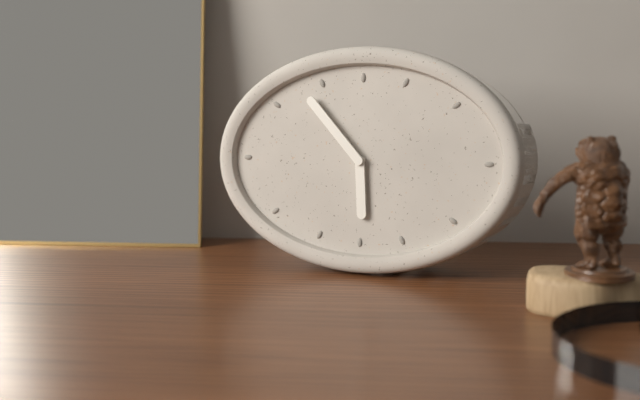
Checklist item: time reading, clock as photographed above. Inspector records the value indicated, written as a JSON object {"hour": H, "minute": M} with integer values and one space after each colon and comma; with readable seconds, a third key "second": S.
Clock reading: {"hour": 5, "minute": 53}
